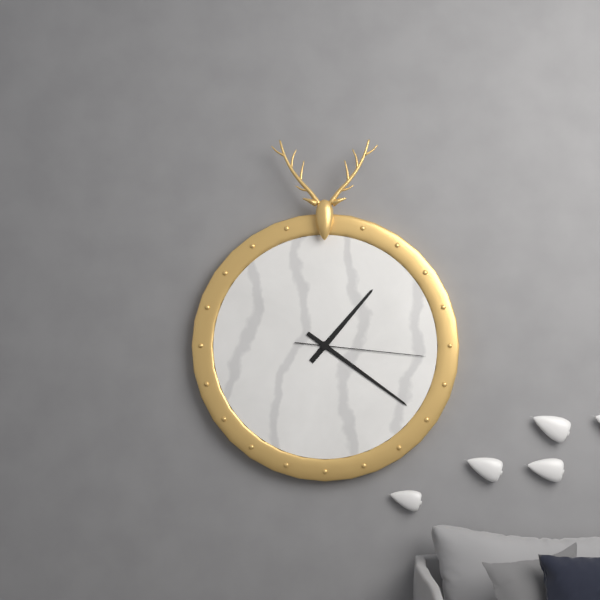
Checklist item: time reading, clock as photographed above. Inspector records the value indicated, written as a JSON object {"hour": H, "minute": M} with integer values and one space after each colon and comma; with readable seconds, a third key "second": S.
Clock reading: {"hour": 1, "minute": 21, "second": 16}
